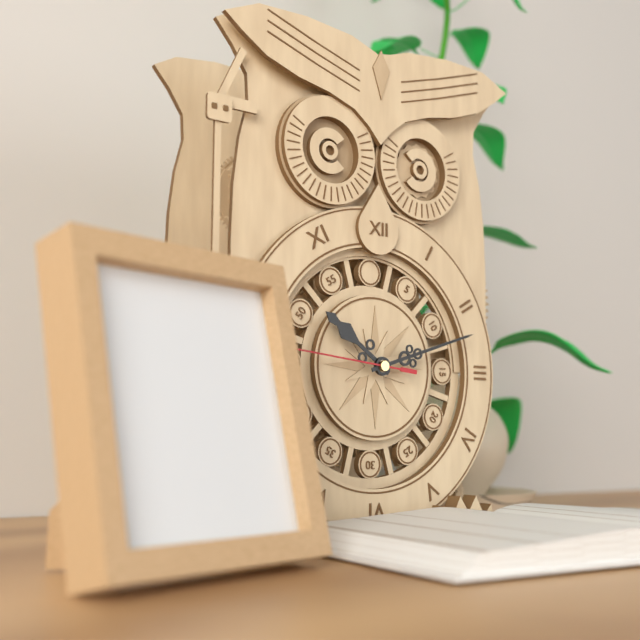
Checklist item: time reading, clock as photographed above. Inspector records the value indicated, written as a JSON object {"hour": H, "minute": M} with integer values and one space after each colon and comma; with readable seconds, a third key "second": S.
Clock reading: {"hour": 10, "minute": 12}
